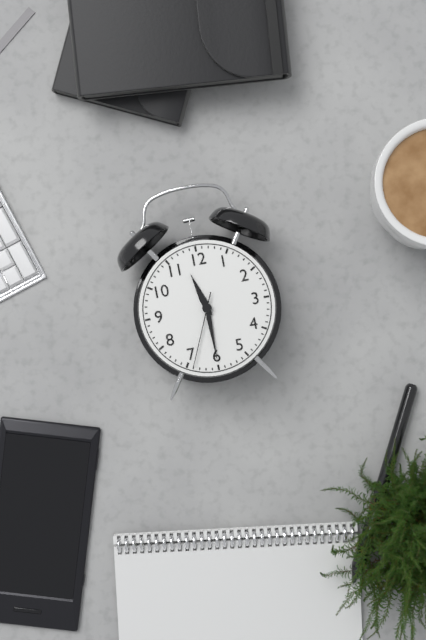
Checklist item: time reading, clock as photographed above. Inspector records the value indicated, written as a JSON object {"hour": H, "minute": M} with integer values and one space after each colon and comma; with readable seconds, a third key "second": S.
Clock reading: {"hour": 11, "minute": 30, "second": 34}
